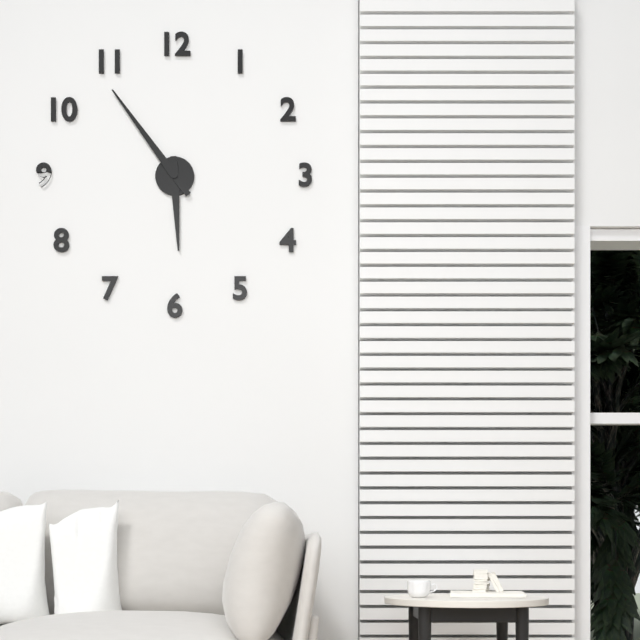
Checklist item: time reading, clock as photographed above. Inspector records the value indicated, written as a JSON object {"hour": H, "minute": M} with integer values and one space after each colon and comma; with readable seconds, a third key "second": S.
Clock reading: {"hour": 5, "minute": 54}
